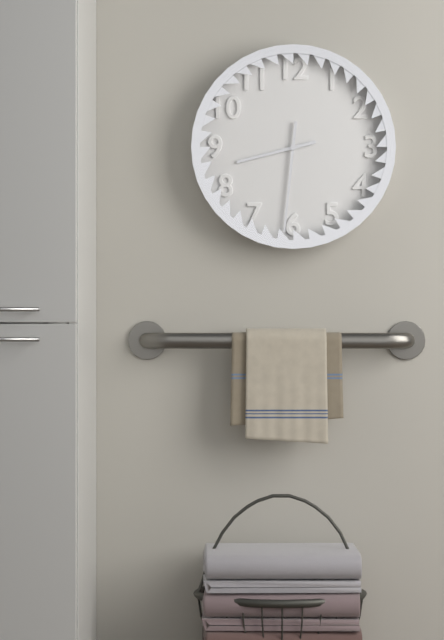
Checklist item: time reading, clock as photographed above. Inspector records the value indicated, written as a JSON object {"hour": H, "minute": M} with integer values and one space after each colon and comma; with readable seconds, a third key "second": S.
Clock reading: {"hour": 8, "minute": 31}
